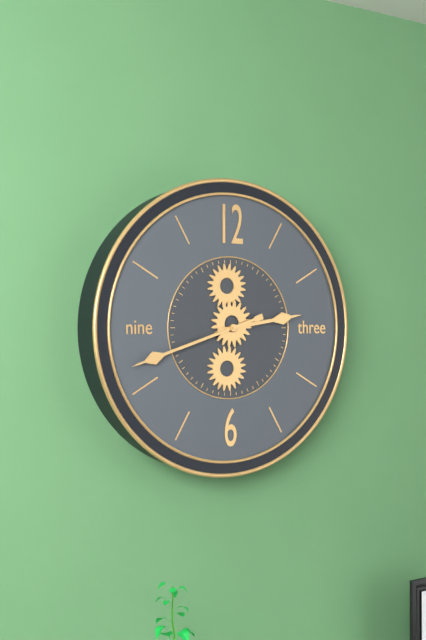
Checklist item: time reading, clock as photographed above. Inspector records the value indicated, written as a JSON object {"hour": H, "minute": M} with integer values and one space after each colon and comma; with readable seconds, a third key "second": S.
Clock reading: {"hour": 2, "minute": 42}
